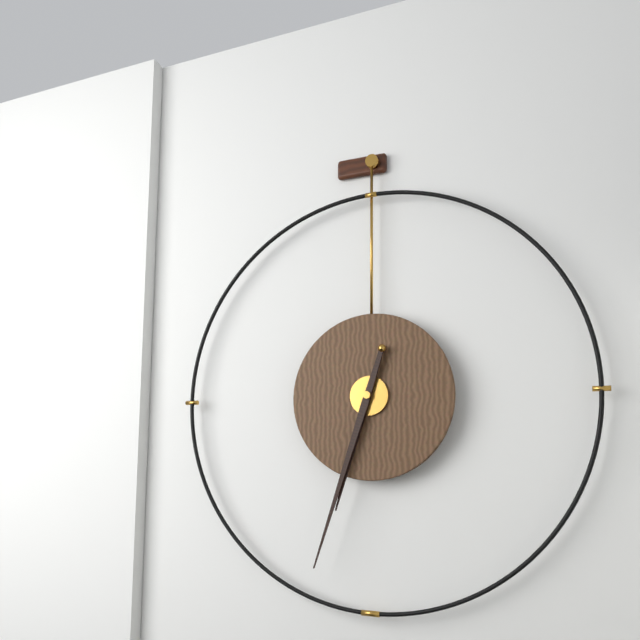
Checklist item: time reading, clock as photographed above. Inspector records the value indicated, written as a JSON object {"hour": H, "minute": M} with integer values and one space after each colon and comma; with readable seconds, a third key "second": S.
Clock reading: {"hour": 6, "minute": 33}
